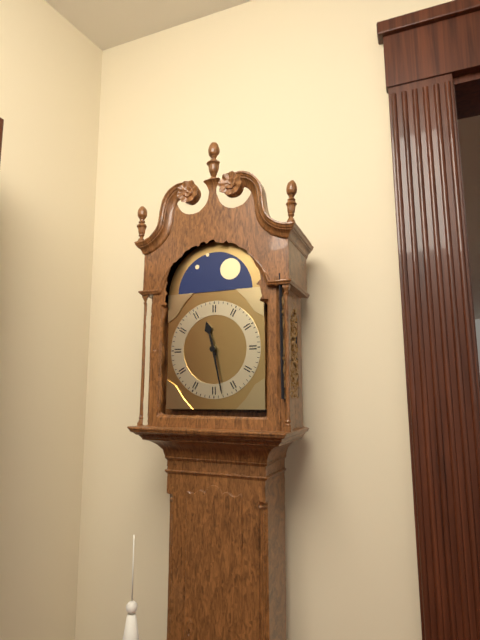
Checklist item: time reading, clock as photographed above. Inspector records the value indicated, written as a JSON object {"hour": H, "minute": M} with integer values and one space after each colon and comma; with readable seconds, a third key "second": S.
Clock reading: {"hour": 11, "minute": 28}
